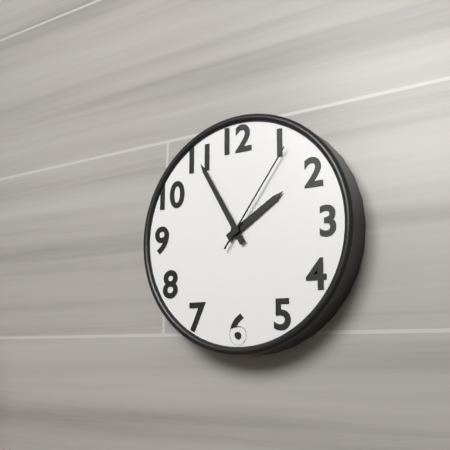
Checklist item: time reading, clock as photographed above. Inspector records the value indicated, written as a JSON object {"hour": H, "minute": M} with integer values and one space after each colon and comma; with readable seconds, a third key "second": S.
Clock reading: {"hour": 1, "minute": 55, "second": 6}
